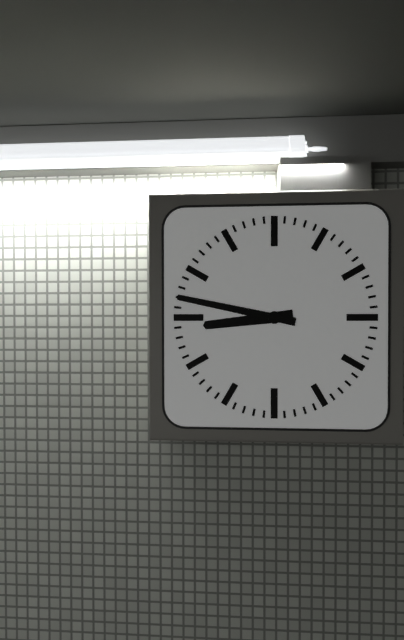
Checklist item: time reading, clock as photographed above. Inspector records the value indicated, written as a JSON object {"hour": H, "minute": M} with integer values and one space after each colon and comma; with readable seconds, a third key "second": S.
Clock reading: {"hour": 8, "minute": 47}
